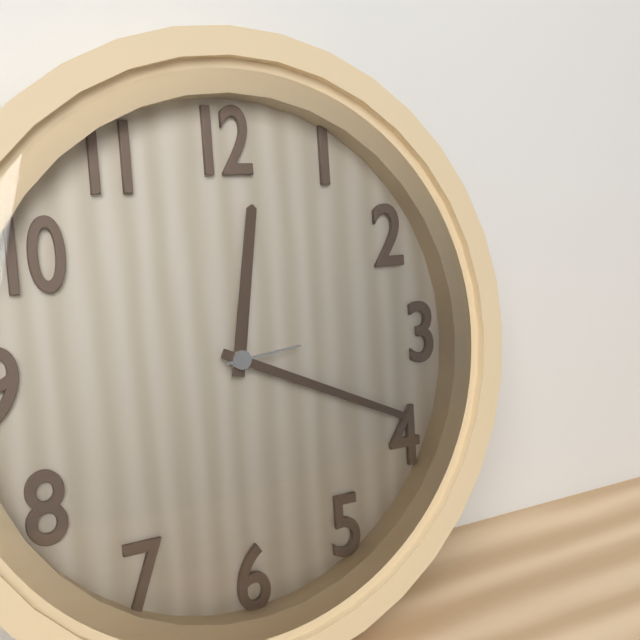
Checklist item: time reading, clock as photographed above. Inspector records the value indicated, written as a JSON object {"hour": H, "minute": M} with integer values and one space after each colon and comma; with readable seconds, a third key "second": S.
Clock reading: {"hour": 12, "minute": 19, "second": 14}
